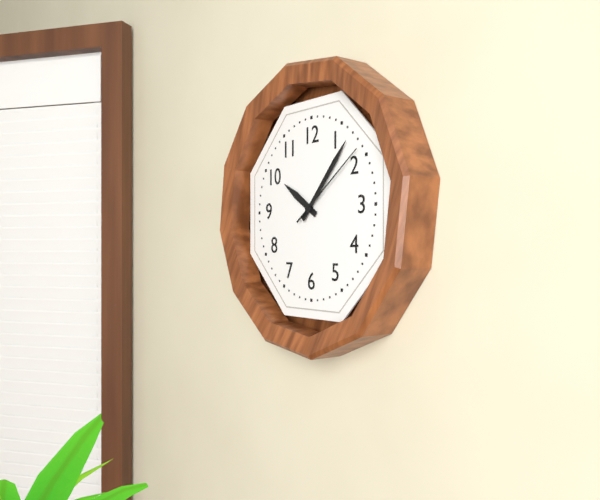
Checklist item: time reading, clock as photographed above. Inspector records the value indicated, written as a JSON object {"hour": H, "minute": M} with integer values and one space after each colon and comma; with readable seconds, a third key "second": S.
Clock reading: {"hour": 10, "minute": 7, "second": 9}
